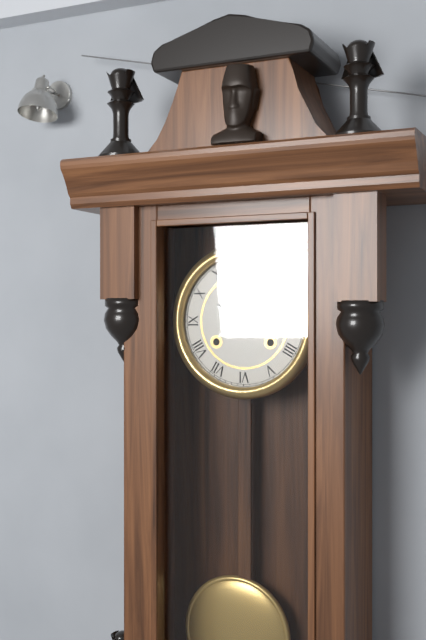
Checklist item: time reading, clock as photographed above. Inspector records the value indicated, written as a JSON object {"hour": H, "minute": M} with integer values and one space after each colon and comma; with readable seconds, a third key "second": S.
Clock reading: {"hour": 10, "minute": 2}
